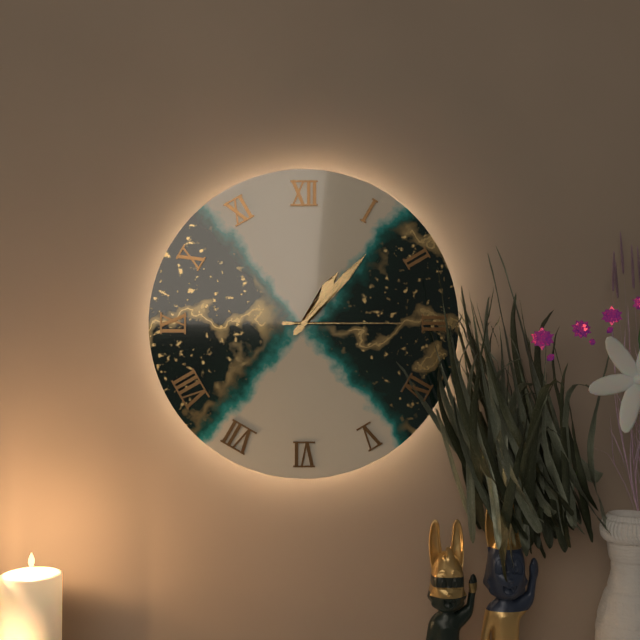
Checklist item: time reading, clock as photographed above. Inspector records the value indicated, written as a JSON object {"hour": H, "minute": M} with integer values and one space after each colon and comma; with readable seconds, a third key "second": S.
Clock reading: {"hour": 1, "minute": 7, "second": 15}
